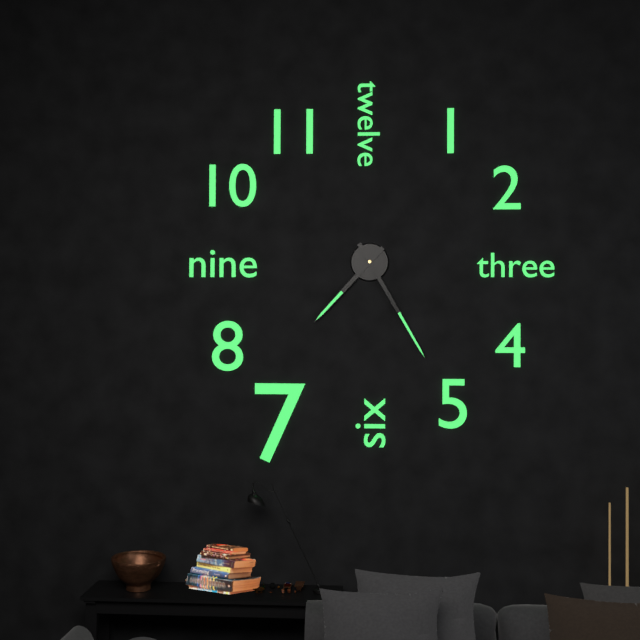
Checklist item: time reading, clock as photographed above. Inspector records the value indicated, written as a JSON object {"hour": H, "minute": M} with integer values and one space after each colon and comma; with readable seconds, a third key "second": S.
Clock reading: {"hour": 7, "minute": 25}
